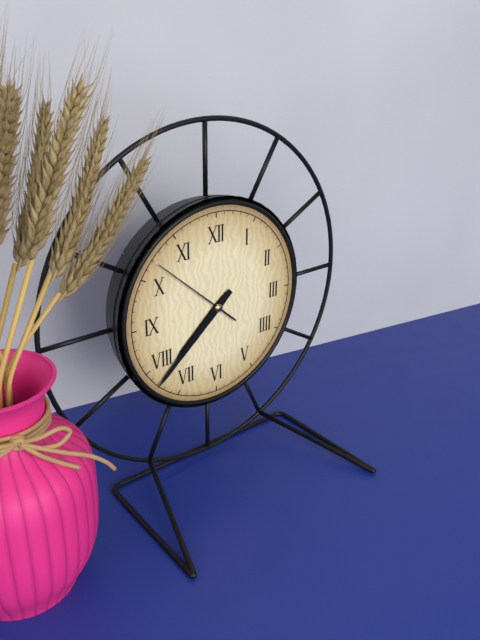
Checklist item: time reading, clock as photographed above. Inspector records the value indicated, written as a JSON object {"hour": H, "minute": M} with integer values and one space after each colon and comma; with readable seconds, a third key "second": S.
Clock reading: {"hour": 7, "minute": 38, "second": 52}
